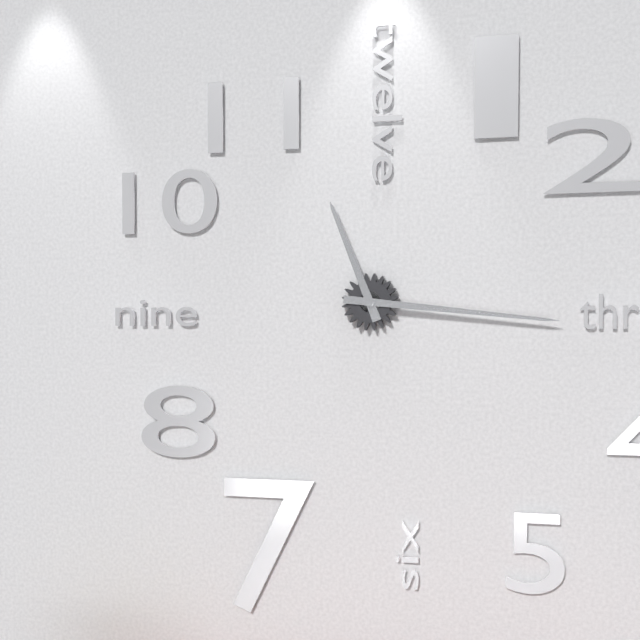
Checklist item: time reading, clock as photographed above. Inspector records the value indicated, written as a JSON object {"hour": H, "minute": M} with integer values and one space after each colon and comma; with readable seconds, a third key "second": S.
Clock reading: {"hour": 11, "minute": 16}
